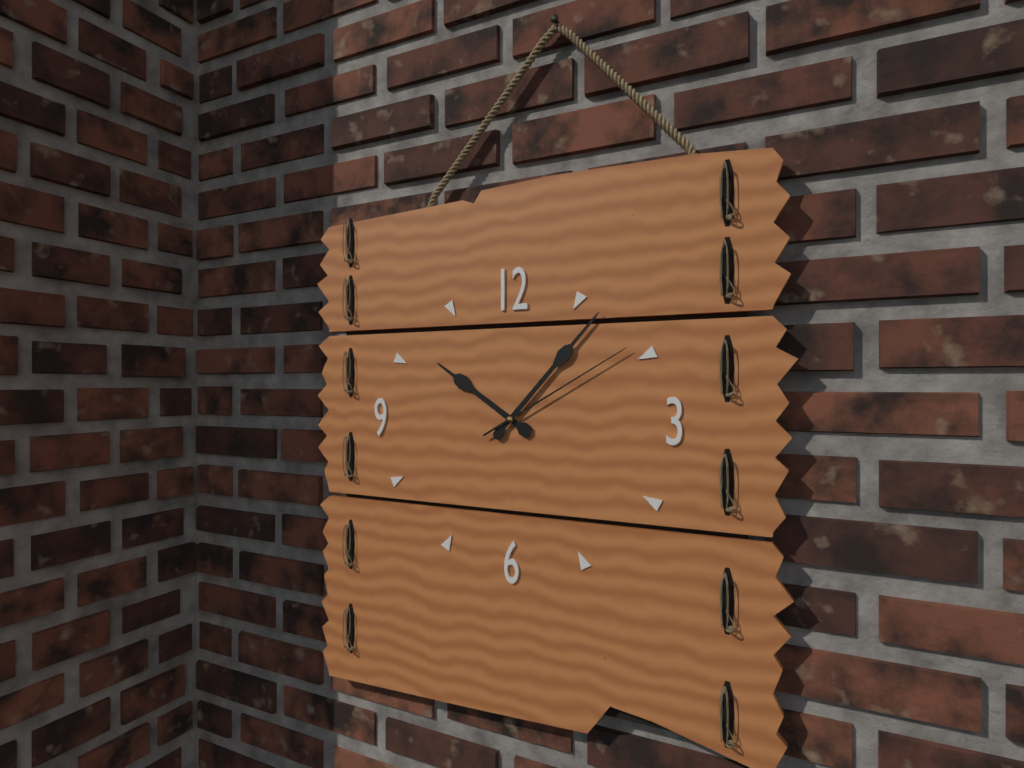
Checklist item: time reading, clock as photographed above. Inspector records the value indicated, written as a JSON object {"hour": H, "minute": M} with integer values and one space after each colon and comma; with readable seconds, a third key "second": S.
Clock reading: {"hour": 10, "minute": 7, "second": 10}
